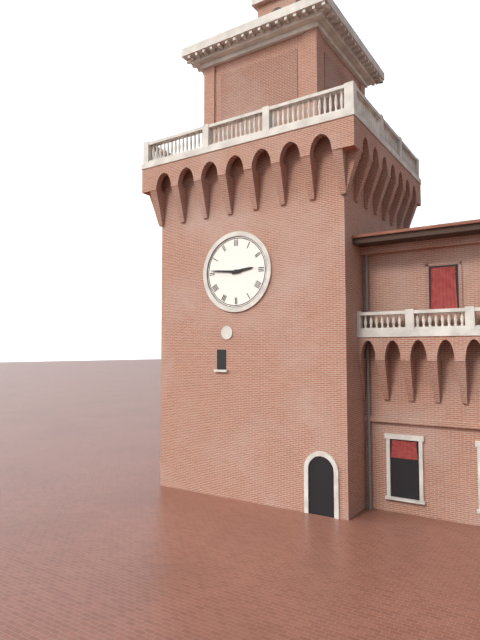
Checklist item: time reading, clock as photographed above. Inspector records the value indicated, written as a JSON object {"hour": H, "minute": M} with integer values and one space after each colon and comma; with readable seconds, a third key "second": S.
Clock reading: {"hour": 2, "minute": 46}
